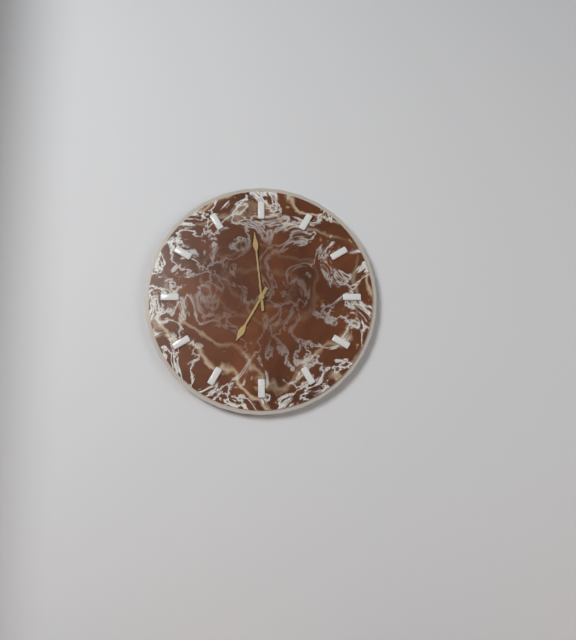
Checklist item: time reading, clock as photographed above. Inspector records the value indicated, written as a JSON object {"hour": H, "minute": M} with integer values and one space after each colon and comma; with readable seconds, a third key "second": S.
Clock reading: {"hour": 6, "minute": 59}
